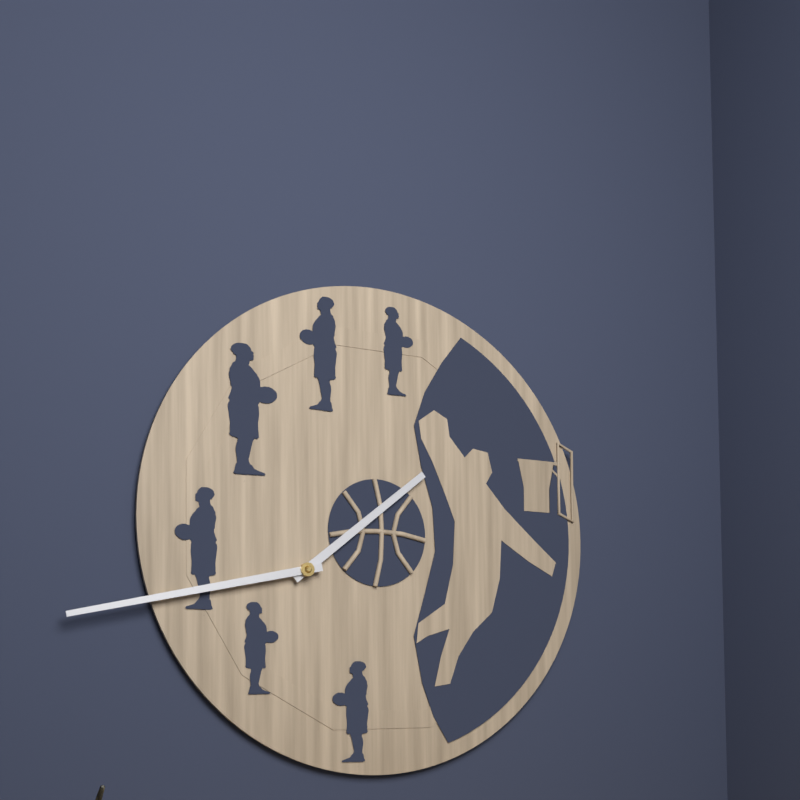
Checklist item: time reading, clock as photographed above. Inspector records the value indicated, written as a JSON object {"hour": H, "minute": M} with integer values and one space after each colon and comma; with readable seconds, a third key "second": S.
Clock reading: {"hour": 1, "minute": 43}
